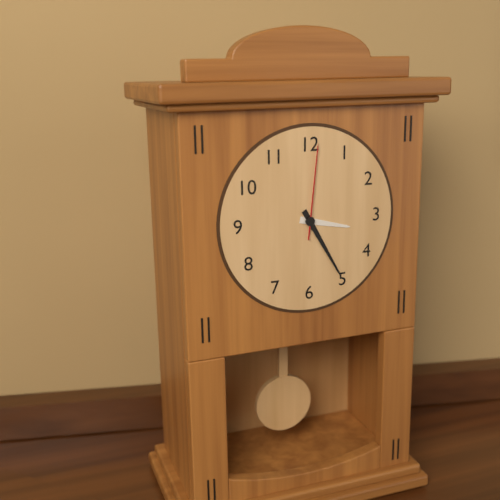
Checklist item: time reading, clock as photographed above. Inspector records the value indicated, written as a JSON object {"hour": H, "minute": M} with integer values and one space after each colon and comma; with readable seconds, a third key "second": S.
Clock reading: {"hour": 3, "minute": 25, "second": 1}
